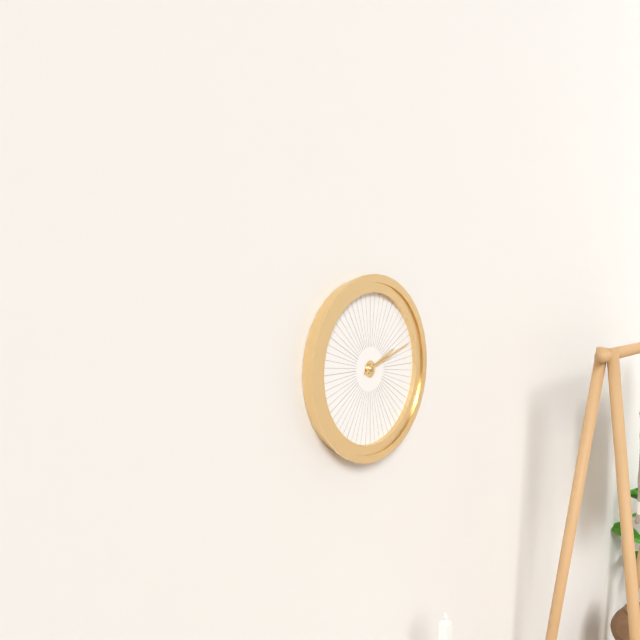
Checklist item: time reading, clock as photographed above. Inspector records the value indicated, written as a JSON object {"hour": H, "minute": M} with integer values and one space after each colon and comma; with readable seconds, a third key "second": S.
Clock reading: {"hour": 2, "minute": 12}
